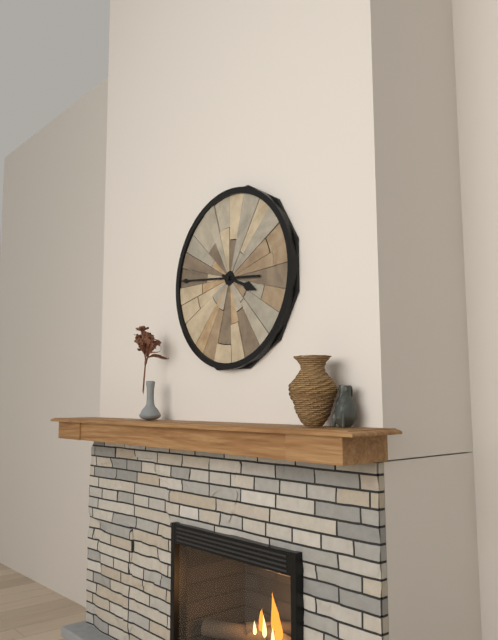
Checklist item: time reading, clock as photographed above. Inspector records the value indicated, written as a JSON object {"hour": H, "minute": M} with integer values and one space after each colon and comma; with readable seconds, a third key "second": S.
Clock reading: {"hour": 3, "minute": 46}
